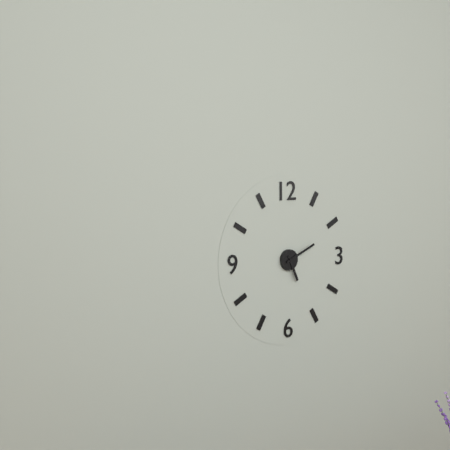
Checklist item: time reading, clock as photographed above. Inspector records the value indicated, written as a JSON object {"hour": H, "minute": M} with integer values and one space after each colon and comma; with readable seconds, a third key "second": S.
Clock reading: {"hour": 5, "minute": 11}
